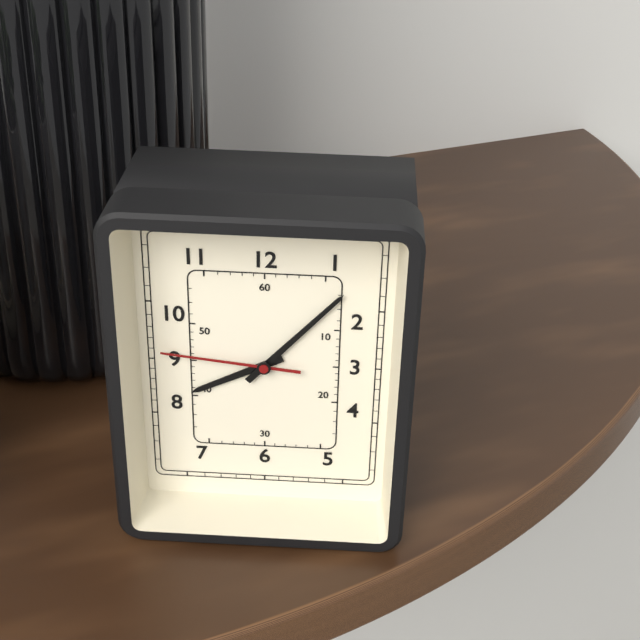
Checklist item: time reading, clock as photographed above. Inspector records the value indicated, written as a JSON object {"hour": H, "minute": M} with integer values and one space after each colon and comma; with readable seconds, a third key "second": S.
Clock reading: {"hour": 8, "minute": 7, "second": 46}
